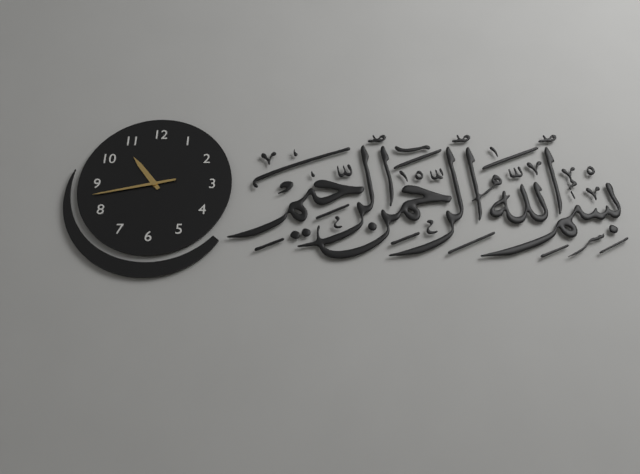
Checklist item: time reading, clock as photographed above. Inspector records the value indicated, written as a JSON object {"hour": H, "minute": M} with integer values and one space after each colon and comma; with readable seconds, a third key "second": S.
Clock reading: {"hour": 10, "minute": 43}
